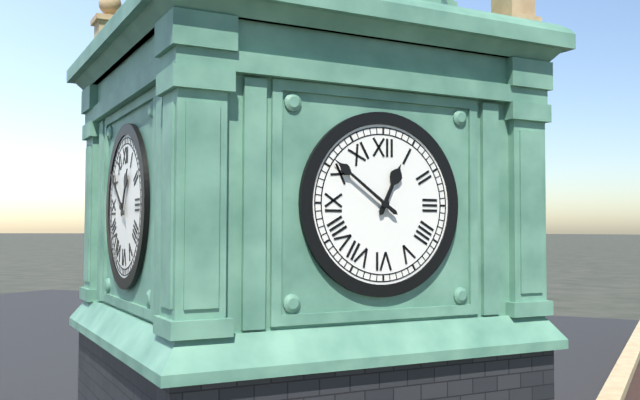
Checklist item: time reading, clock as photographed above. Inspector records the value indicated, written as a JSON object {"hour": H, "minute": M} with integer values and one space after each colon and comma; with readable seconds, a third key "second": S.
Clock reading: {"hour": 12, "minute": 51}
